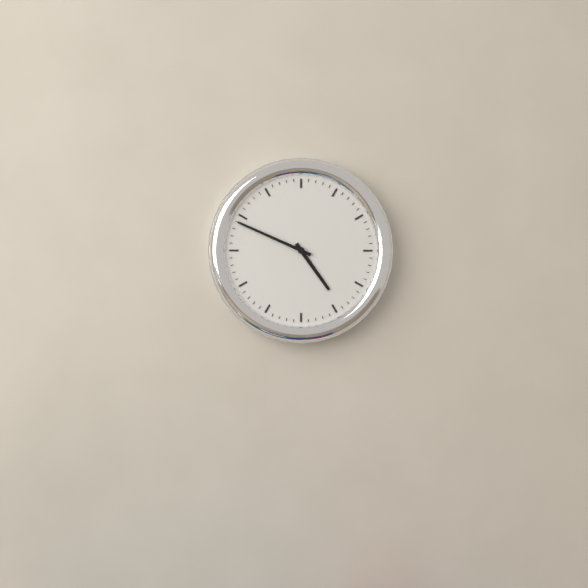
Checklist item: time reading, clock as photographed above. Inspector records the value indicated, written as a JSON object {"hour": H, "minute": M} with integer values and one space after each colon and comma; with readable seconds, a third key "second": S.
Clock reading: {"hour": 4, "minute": 49}
